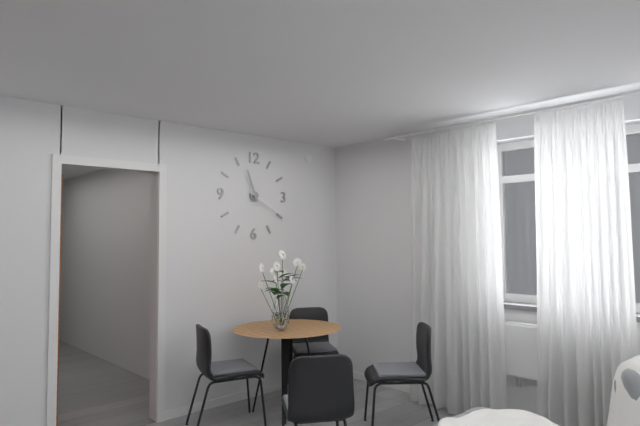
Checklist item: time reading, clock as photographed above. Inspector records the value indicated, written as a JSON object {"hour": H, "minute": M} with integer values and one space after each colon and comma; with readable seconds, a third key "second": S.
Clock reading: {"hour": 11, "minute": 20}
